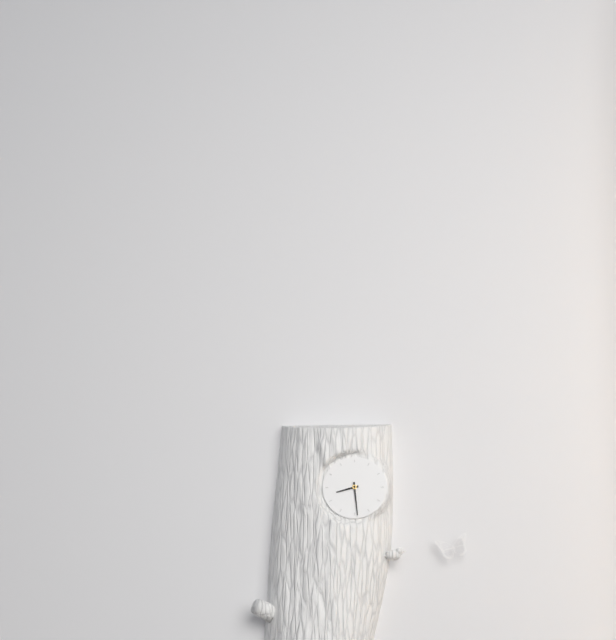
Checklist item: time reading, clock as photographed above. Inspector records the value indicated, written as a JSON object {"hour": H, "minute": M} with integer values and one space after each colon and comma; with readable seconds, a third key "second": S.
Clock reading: {"hour": 8, "minute": 29}
